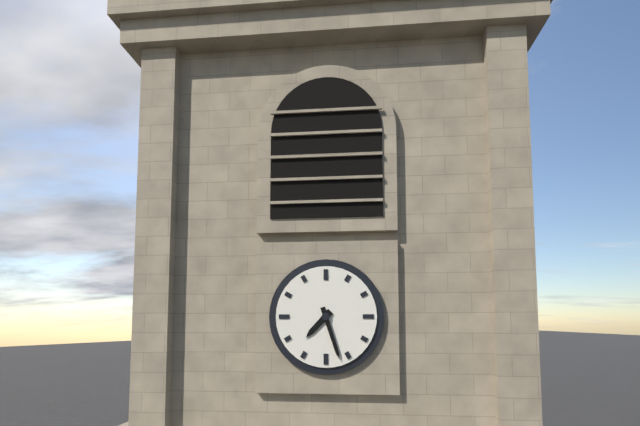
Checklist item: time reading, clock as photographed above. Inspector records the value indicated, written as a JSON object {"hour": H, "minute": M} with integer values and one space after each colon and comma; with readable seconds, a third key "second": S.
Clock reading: {"hour": 7, "minute": 27}
